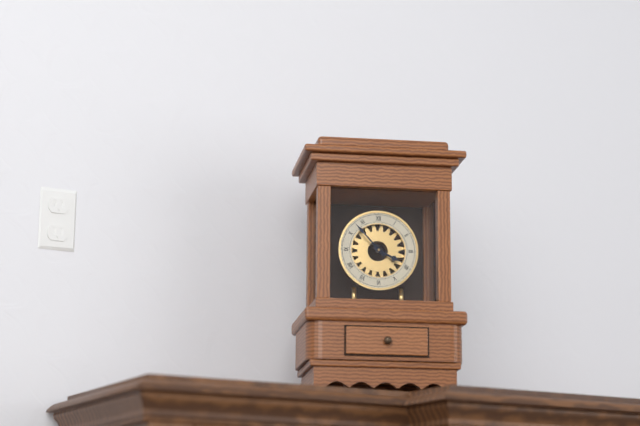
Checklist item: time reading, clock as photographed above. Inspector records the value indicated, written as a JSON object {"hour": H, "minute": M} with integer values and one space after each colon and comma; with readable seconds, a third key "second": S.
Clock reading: {"hour": 3, "minute": 53}
